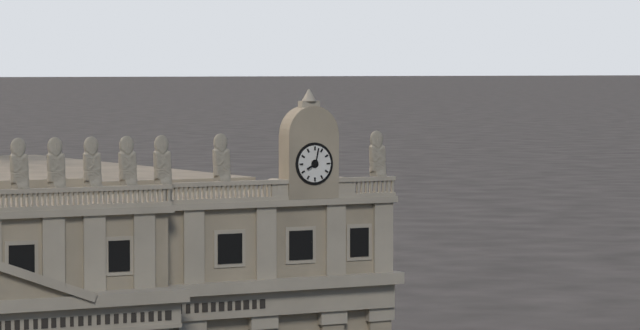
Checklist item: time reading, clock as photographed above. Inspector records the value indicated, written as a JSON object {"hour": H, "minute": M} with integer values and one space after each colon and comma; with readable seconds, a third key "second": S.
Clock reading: {"hour": 8, "minute": 2}
